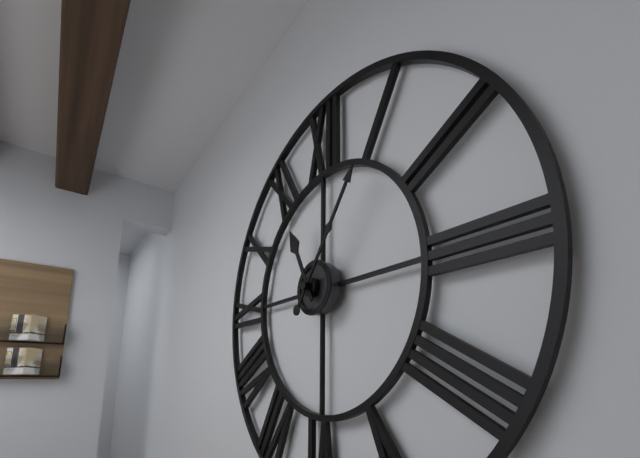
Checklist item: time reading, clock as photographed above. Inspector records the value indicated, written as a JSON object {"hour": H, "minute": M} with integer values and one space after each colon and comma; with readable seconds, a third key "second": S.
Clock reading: {"hour": 11, "minute": 6}
